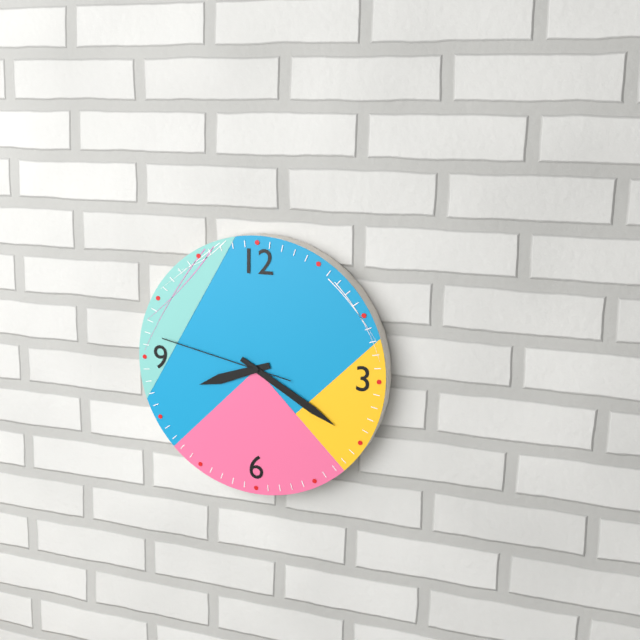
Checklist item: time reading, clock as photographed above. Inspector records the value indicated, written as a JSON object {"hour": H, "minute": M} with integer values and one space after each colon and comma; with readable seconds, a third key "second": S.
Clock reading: {"hour": 8, "minute": 20, "second": 47}
